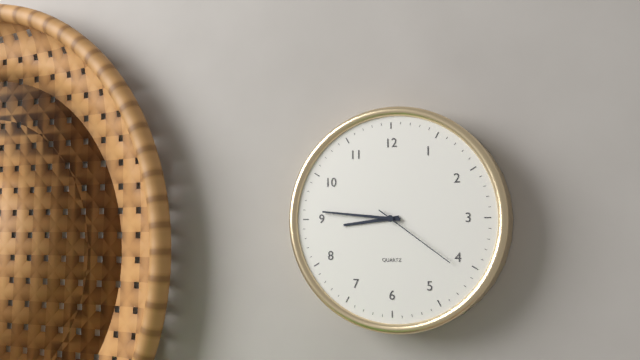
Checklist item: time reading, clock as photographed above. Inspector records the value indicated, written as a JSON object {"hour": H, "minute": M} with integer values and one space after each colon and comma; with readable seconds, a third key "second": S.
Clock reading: {"hour": 8, "minute": 46, "second": 21}
